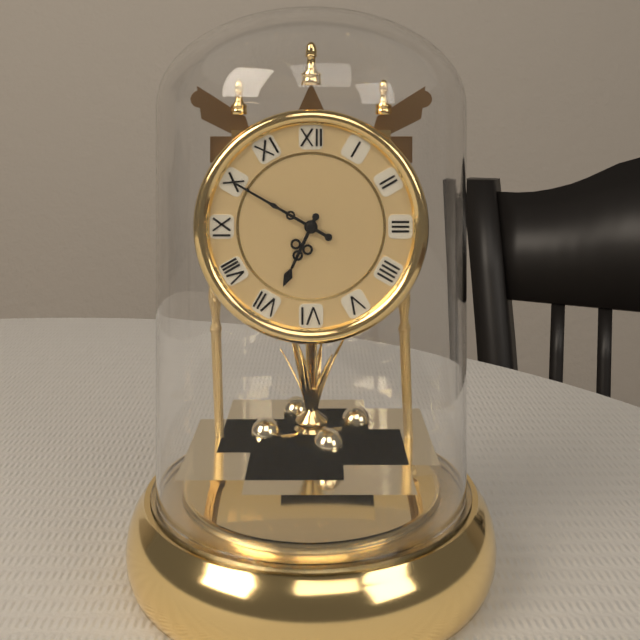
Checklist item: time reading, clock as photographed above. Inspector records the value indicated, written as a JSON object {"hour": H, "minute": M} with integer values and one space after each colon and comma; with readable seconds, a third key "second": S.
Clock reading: {"hour": 6, "minute": 50}
